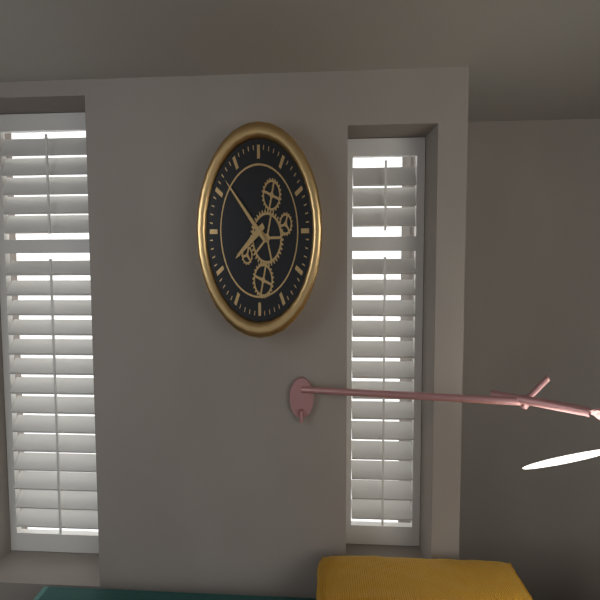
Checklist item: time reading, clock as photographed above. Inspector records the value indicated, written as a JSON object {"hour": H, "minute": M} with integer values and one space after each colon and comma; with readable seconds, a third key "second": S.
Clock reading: {"hour": 7, "minute": 52}
